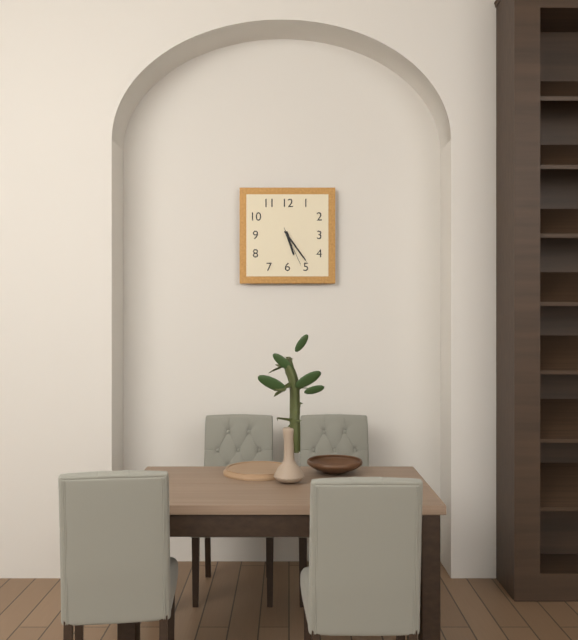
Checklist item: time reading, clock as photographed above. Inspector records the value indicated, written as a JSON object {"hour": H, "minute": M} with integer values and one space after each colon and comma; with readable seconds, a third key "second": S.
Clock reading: {"hour": 5, "minute": 24}
